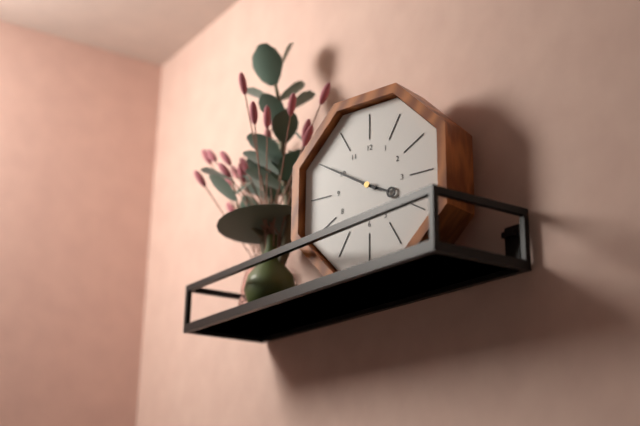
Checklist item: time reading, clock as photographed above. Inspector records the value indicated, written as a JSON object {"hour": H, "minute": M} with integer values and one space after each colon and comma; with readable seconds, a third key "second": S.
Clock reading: {"hour": 3, "minute": 50}
